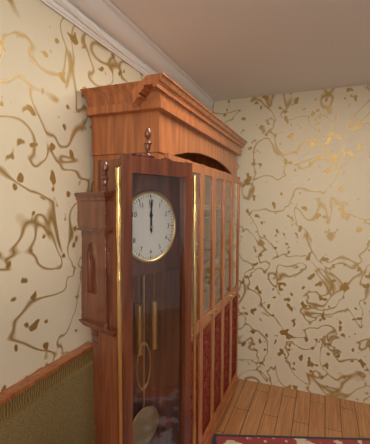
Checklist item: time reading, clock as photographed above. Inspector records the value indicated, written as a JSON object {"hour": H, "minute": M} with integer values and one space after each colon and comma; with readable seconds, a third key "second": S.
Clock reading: {"hour": 12, "minute": 0}
